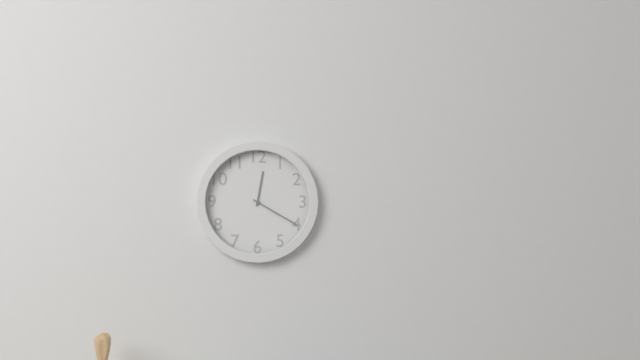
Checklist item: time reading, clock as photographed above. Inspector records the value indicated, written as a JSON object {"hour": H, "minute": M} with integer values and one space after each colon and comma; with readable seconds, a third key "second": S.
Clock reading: {"hour": 12, "minute": 20}
